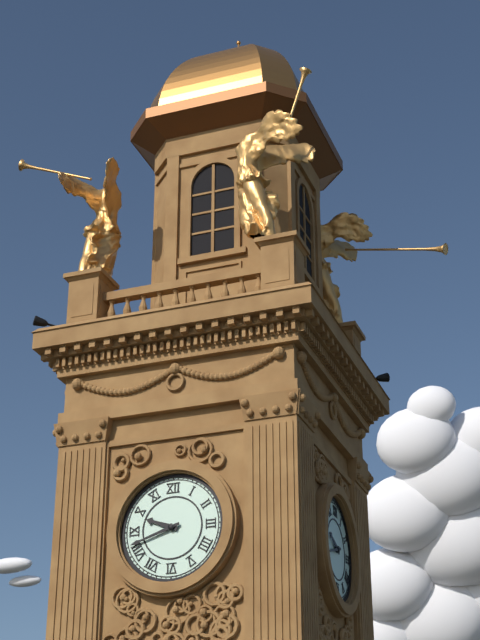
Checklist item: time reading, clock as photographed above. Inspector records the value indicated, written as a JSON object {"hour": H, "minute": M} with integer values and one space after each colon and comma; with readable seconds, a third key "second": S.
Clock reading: {"hour": 9, "minute": 42}
